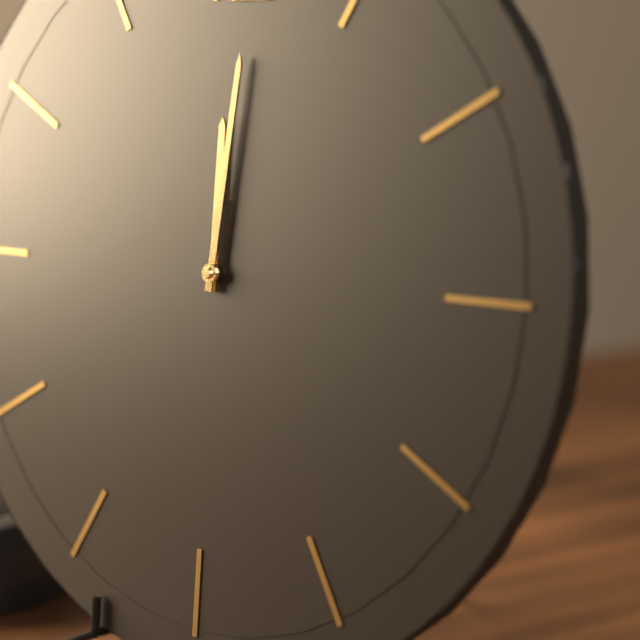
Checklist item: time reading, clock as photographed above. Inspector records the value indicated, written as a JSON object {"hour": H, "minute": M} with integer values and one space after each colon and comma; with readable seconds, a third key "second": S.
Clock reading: {"hour": 12, "minute": 1}
